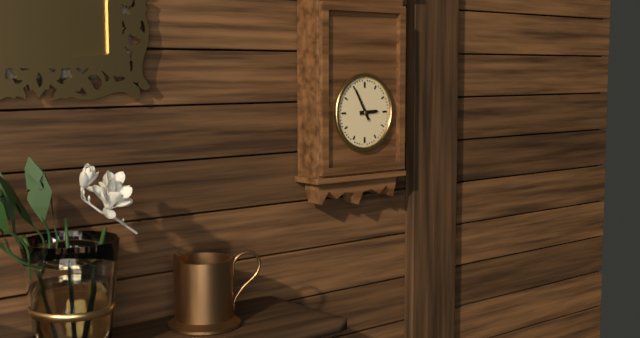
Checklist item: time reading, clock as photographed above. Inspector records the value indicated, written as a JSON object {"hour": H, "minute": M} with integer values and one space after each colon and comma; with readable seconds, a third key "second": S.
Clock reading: {"hour": 2, "minute": 55}
